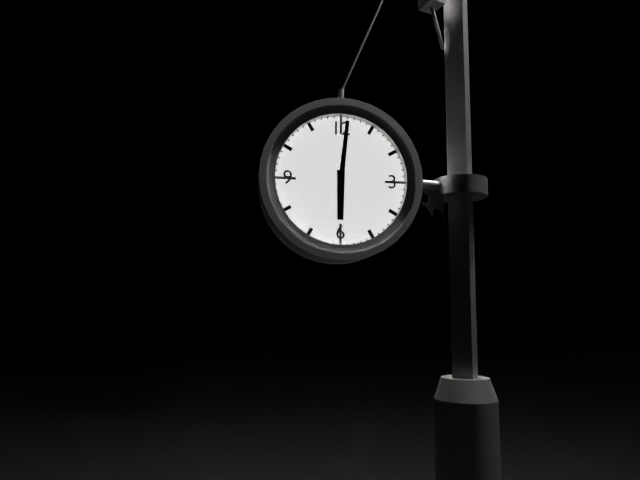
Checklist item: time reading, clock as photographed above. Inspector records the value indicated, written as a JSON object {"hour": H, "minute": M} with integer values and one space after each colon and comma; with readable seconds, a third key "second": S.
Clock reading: {"hour": 6, "minute": 1}
